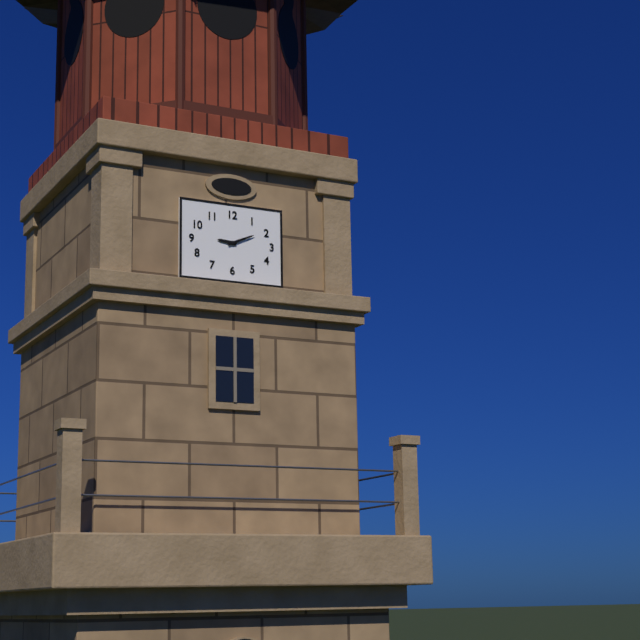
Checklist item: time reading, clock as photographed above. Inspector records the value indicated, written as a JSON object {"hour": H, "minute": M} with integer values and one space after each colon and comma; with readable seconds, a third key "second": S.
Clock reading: {"hour": 9, "minute": 11}
